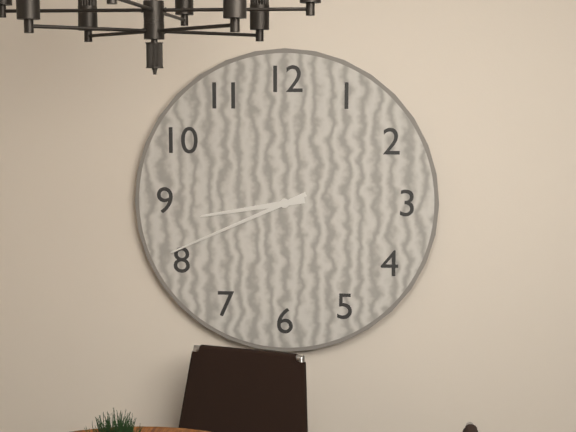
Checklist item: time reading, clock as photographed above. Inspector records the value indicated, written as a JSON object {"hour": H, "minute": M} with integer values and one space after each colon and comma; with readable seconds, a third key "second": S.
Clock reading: {"hour": 8, "minute": 41}
